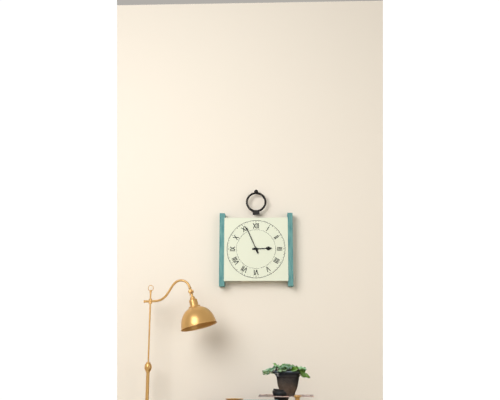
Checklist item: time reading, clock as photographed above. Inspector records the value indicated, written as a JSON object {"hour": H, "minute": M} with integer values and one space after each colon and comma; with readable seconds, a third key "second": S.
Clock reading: {"hour": 2, "minute": 56}
